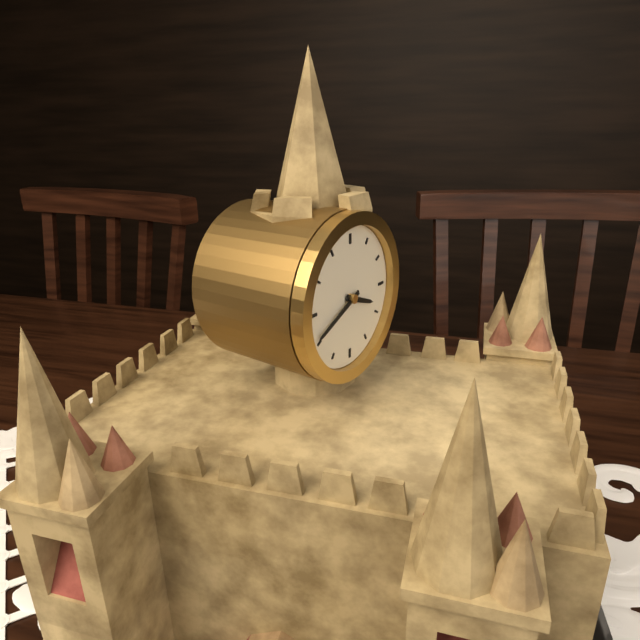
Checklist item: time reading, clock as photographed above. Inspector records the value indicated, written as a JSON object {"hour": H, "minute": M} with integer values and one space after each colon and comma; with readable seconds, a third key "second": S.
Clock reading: {"hour": 3, "minute": 41}
